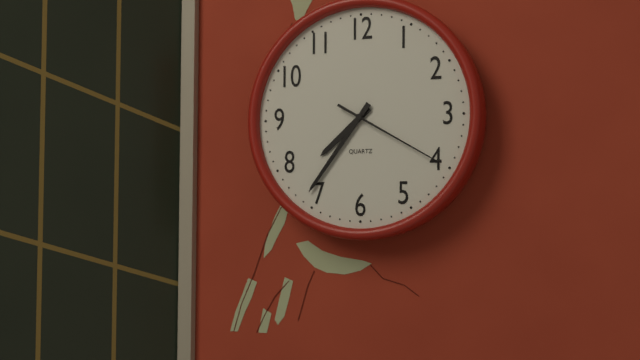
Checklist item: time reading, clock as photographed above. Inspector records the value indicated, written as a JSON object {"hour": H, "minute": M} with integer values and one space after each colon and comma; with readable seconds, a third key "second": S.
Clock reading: {"hour": 7, "minute": 36, "second": 20}
